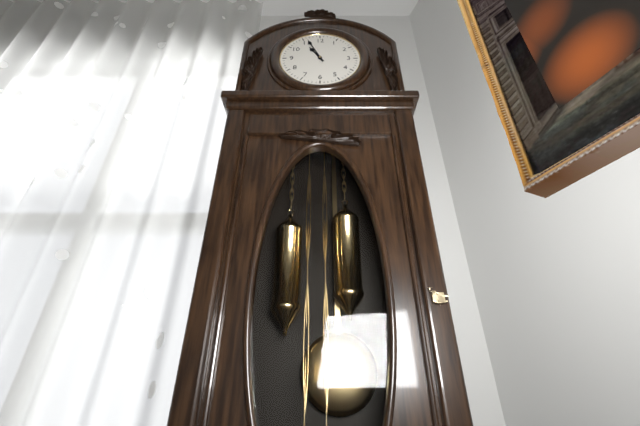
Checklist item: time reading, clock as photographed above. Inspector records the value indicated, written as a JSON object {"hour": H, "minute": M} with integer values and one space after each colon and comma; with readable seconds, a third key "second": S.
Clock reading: {"hour": 10, "minute": 56}
